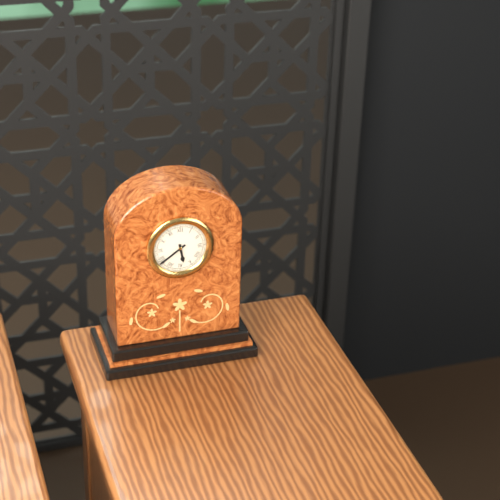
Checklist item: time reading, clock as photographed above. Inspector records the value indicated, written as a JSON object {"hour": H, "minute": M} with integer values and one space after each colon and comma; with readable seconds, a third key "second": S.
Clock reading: {"hour": 5, "minute": 39}
